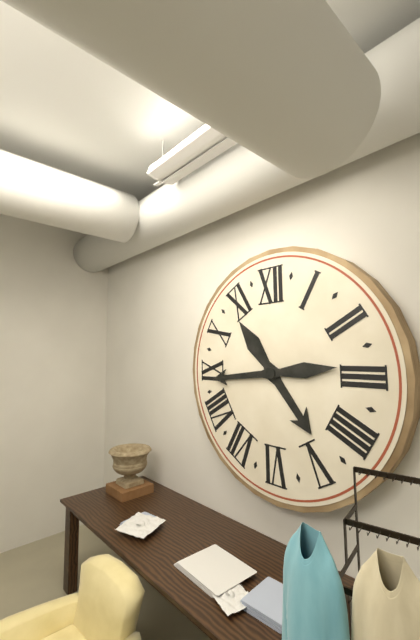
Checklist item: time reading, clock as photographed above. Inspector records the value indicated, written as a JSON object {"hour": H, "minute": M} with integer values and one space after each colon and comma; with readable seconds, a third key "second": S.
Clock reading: {"hour": 4, "minute": 44}
